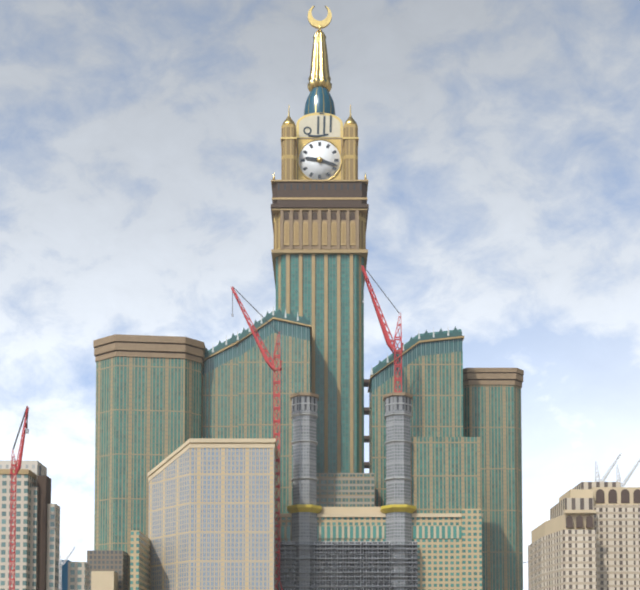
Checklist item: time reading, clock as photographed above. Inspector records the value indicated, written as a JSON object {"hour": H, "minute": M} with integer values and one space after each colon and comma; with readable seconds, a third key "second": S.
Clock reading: {"hour": 9, "minute": 18}
